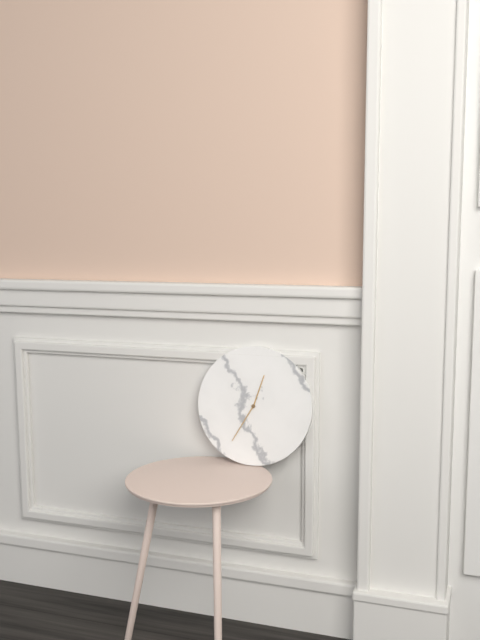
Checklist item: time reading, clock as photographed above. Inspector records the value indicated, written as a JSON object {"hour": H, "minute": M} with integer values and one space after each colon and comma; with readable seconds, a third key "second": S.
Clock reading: {"hour": 12, "minute": 35}
